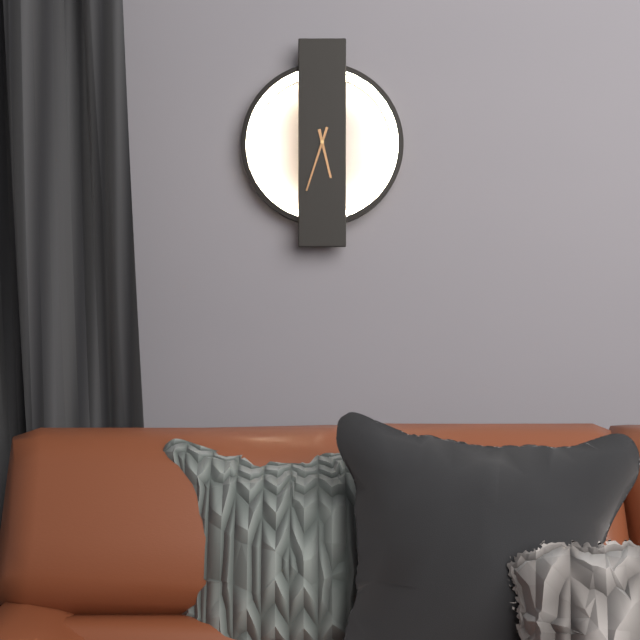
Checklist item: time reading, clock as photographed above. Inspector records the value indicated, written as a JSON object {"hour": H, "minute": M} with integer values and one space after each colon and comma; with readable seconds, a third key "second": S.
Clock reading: {"hour": 5, "minute": 33}
